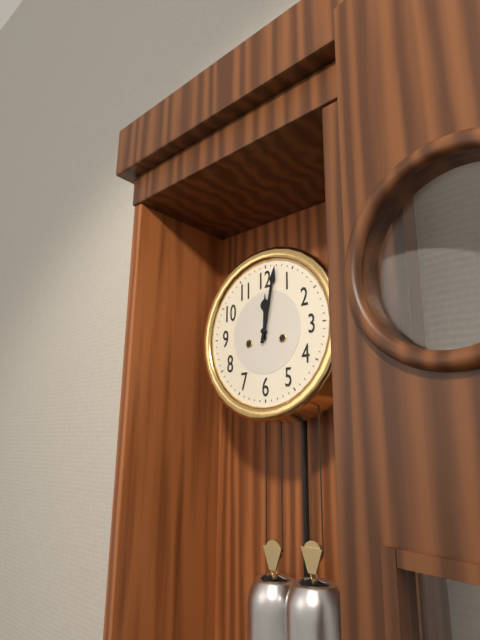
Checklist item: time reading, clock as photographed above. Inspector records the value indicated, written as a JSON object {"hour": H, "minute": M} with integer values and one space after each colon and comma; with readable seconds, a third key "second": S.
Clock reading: {"hour": 12, "minute": 2}
